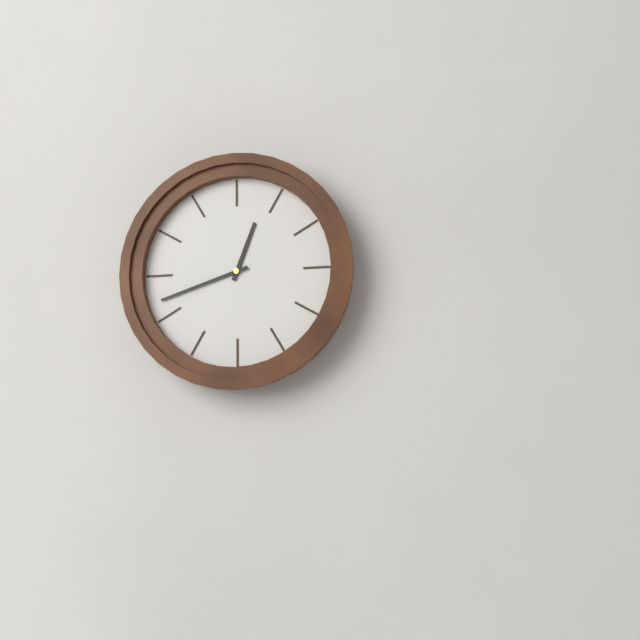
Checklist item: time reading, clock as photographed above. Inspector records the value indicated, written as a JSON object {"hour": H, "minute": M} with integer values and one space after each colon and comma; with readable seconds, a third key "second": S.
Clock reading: {"hour": 12, "minute": 42}
